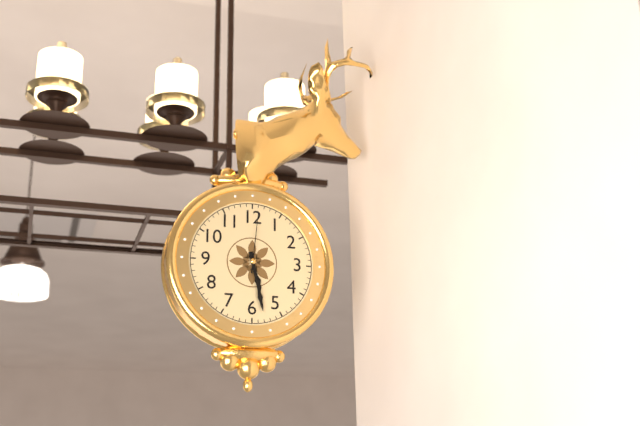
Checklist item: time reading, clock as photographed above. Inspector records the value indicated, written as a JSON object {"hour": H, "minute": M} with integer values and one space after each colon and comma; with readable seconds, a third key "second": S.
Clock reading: {"hour": 5, "minute": 28, "second": 1}
